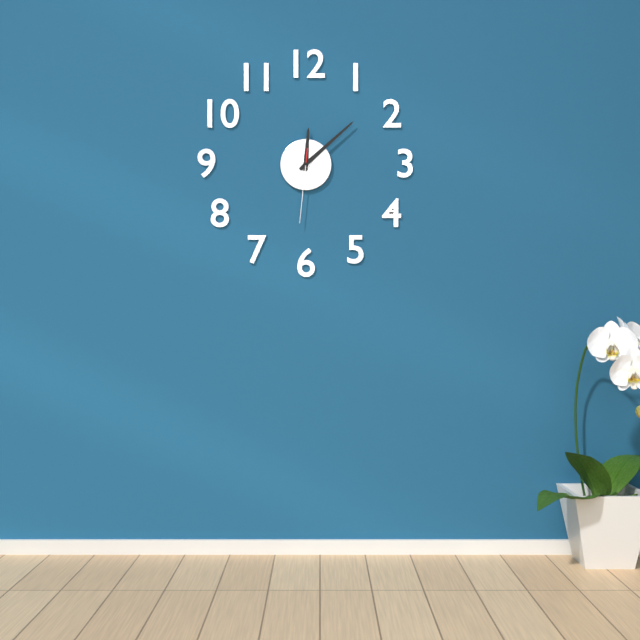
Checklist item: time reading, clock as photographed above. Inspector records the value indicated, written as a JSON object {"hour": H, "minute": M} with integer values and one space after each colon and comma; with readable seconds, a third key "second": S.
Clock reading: {"hour": 12, "minute": 8, "second": 31}
